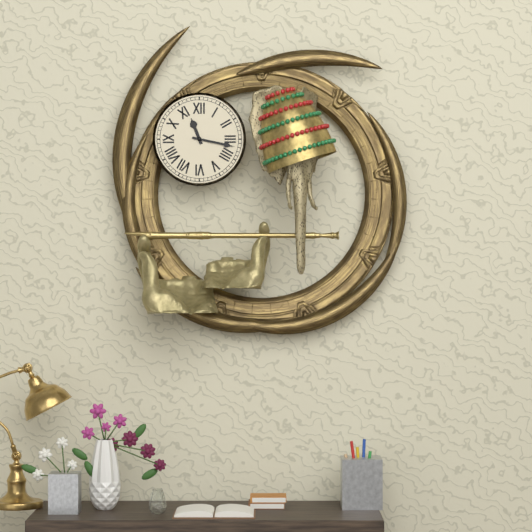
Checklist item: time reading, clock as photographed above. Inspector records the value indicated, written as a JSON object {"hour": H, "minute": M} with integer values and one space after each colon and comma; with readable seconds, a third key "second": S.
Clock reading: {"hour": 11, "minute": 17}
